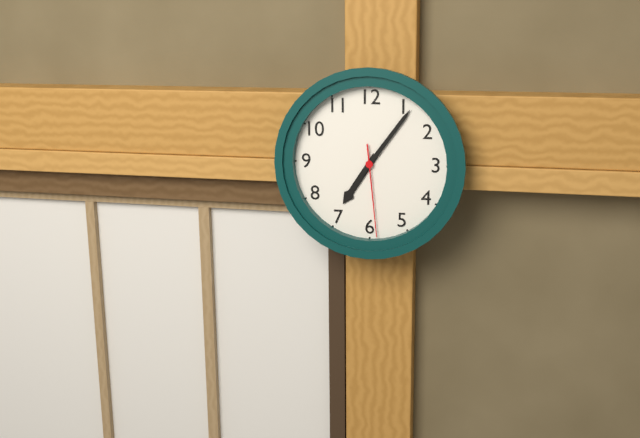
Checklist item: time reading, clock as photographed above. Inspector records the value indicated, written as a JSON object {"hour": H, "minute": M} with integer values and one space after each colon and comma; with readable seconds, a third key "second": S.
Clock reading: {"hour": 7, "minute": 6, "second": 29}
